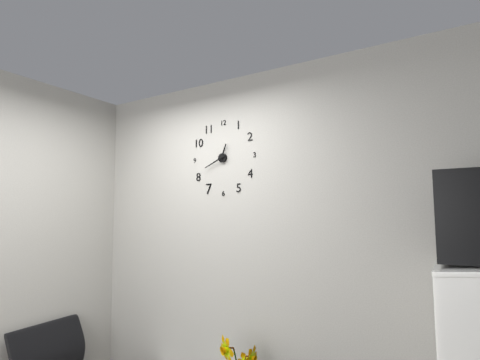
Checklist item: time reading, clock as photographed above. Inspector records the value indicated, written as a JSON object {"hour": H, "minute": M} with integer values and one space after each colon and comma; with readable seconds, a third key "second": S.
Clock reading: {"hour": 12, "minute": 41}
